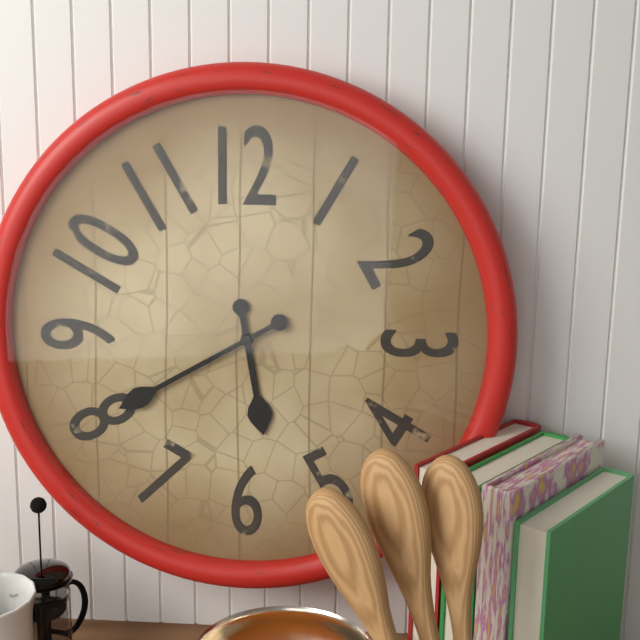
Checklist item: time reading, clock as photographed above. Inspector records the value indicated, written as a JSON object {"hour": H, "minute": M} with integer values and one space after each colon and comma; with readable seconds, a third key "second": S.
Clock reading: {"hour": 5, "minute": 40}
